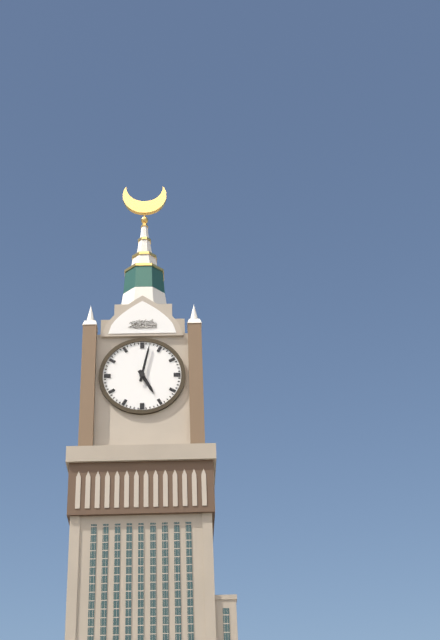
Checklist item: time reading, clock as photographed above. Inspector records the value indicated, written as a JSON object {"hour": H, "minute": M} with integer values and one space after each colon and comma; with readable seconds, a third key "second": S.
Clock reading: {"hour": 5, "minute": 2}
